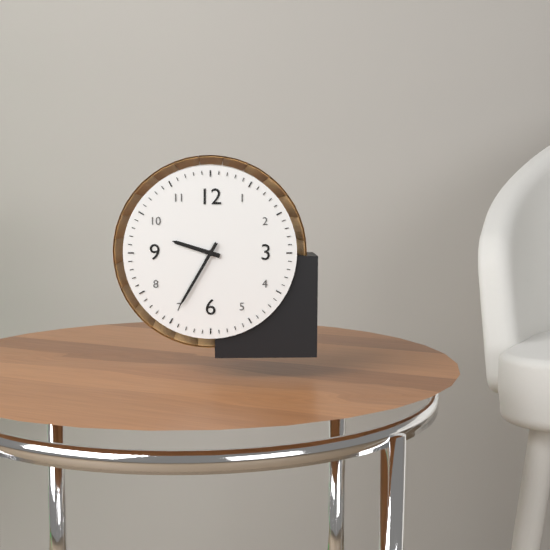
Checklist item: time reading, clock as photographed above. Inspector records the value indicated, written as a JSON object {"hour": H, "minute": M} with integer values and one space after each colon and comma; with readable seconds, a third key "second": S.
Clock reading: {"hour": 9, "minute": 35}
